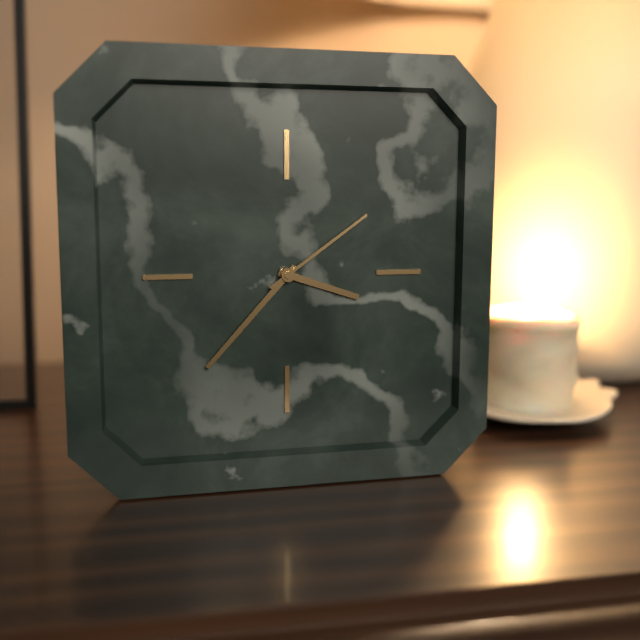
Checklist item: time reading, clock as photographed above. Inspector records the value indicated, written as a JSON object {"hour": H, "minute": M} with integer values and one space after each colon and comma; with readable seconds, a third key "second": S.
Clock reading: {"hour": 3, "minute": 37, "second": 9}
